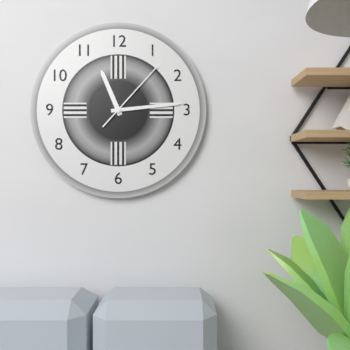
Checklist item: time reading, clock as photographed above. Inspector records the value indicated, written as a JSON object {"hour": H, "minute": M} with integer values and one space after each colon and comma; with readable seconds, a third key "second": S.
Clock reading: {"hour": 11, "minute": 14, "second": 7}
